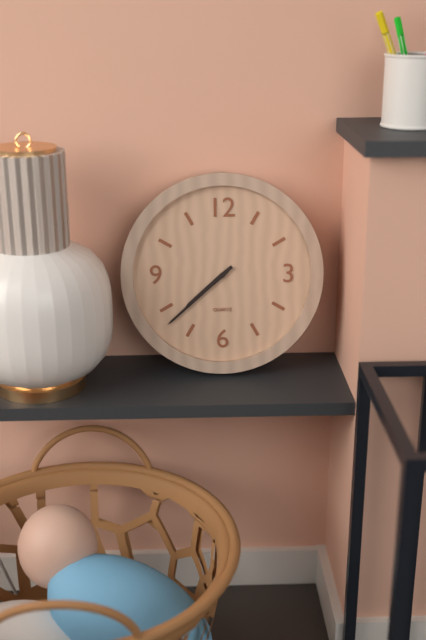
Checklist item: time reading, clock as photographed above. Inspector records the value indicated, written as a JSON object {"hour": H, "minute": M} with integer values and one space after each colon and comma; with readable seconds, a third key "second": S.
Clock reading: {"hour": 7, "minute": 38}
